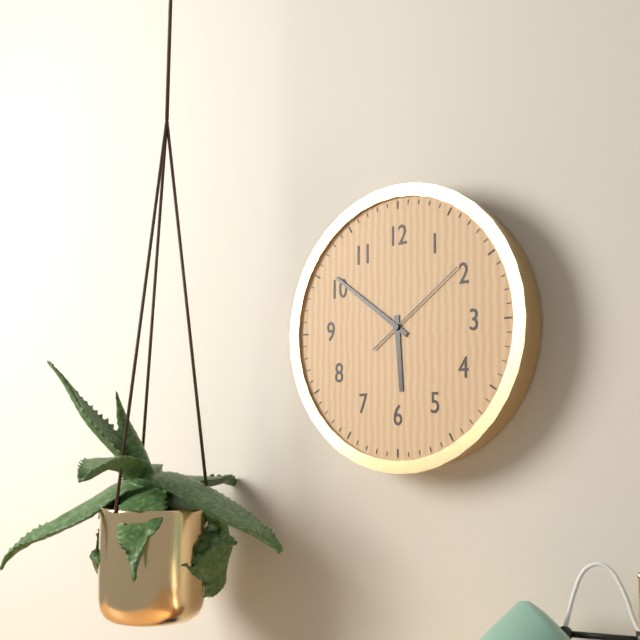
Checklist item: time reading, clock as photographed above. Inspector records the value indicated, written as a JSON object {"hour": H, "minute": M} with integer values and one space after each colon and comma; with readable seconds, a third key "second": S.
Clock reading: {"hour": 5, "minute": 51, "second": 9}
